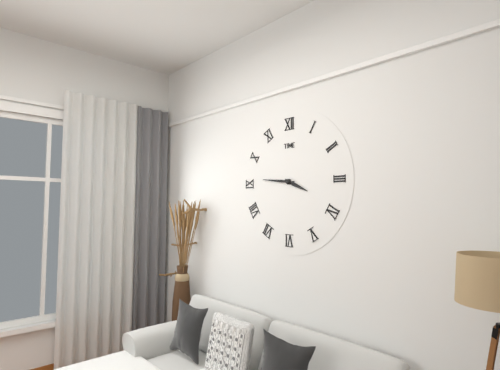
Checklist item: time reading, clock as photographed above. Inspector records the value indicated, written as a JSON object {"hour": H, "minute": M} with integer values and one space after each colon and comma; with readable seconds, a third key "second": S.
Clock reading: {"hour": 3, "minute": 46}
